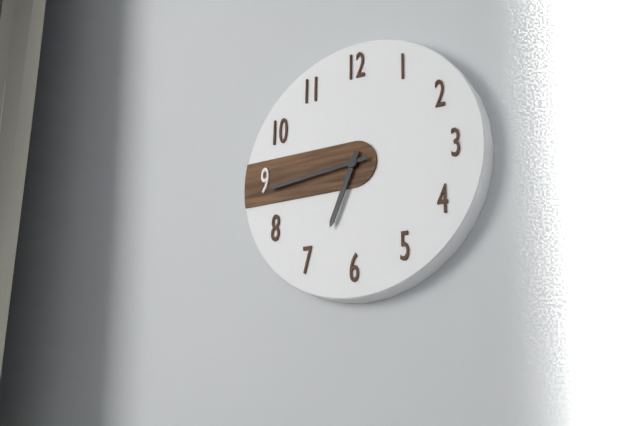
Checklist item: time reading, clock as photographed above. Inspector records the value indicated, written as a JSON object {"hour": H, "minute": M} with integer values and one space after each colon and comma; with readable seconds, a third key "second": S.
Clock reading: {"hour": 6, "minute": 44}
